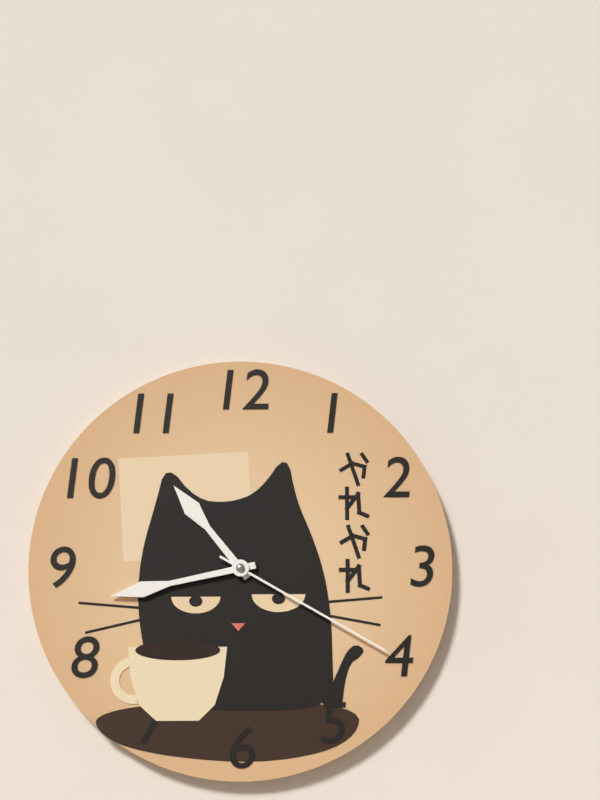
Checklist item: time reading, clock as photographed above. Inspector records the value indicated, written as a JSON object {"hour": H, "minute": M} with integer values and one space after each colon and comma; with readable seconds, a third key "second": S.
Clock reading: {"hour": 10, "minute": 43, "second": 20}
